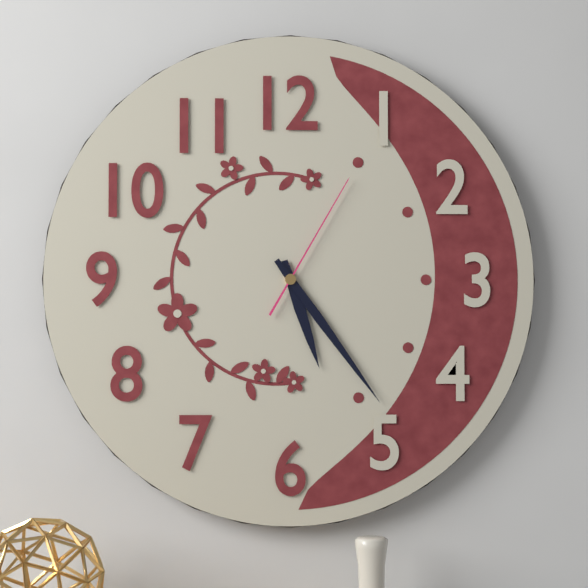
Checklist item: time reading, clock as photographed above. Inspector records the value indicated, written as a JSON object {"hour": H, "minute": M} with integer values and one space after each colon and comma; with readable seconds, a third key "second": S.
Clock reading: {"hour": 5, "minute": 24, "second": 5}
